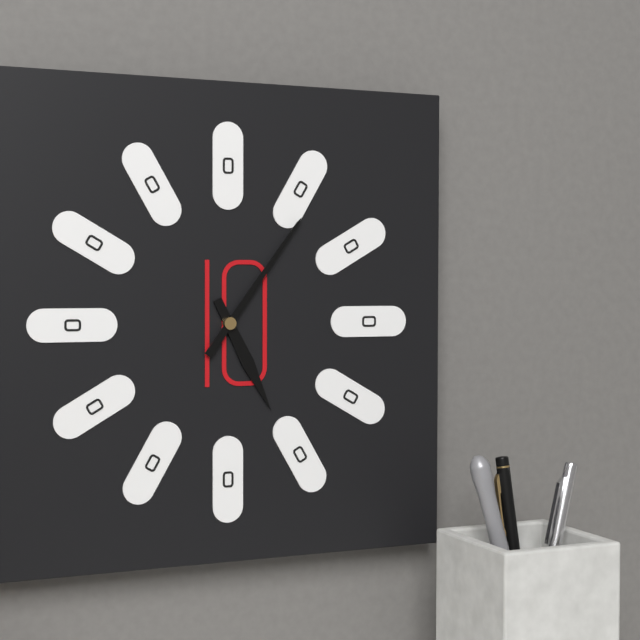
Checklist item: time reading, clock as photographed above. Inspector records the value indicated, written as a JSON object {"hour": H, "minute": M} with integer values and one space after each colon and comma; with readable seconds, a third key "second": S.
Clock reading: {"hour": 5, "minute": 6}
